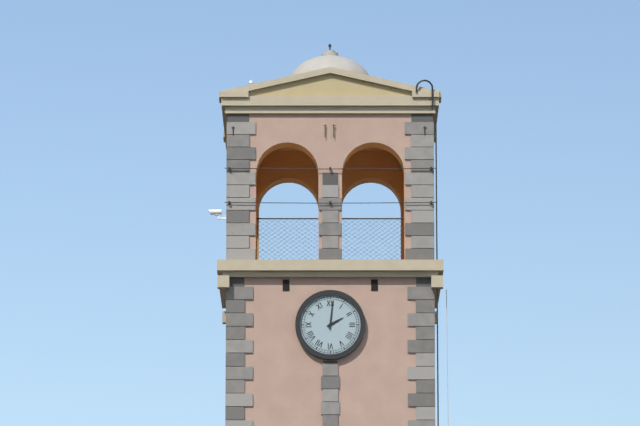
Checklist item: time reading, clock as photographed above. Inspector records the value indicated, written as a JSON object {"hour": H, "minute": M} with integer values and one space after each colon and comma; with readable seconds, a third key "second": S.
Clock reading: {"hour": 2, "minute": 1}
